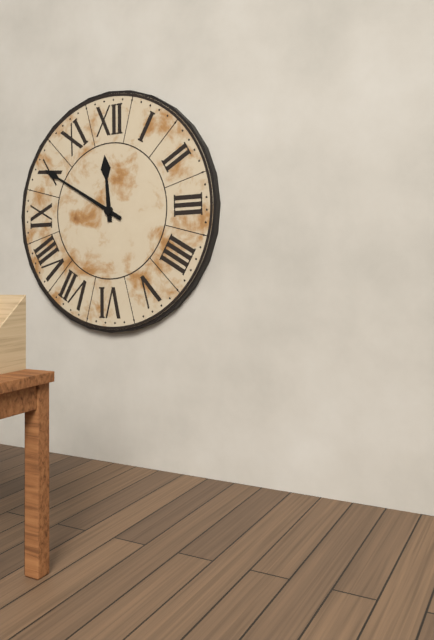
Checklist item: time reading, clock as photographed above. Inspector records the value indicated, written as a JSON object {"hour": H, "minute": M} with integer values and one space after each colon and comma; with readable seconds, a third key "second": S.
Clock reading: {"hour": 11, "minute": 50}
